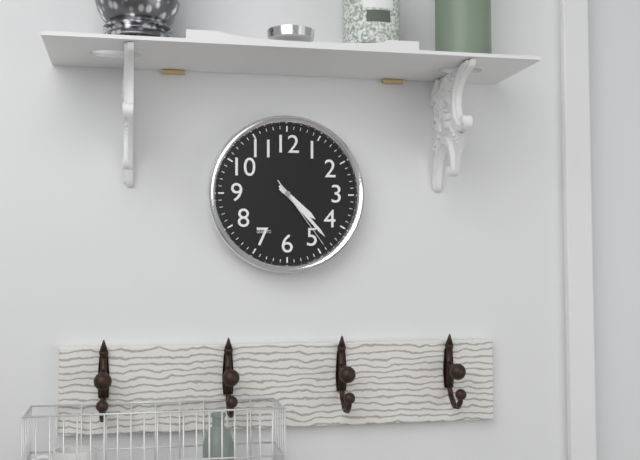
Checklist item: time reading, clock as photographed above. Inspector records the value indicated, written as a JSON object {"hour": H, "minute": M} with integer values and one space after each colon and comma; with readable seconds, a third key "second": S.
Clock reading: {"hour": 4, "minute": 23, "second": 24}
